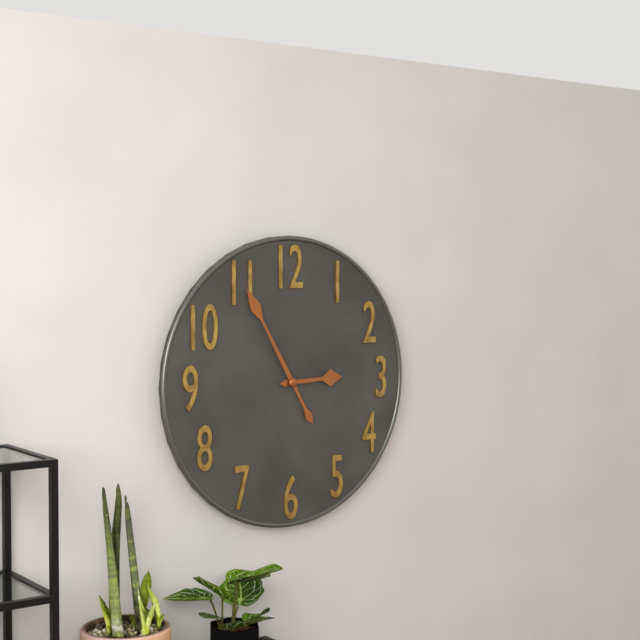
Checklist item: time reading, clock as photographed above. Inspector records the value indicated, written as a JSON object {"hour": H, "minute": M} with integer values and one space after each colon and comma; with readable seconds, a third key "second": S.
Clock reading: {"hour": 2, "minute": 55}
